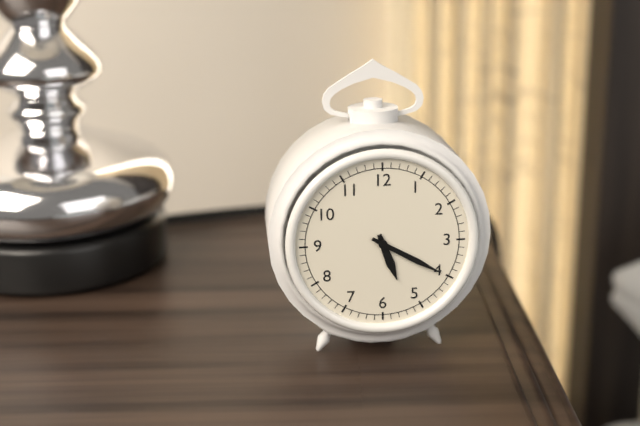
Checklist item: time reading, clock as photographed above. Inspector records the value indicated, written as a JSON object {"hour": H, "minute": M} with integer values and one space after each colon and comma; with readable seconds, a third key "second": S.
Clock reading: {"hour": 5, "minute": 20}
